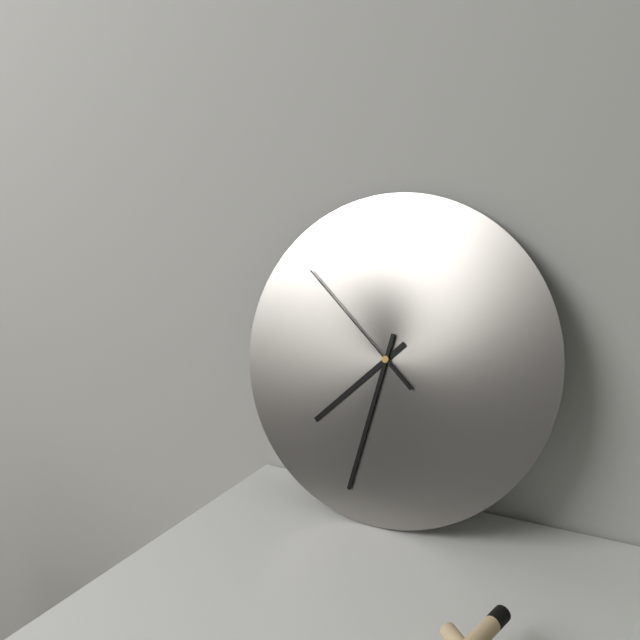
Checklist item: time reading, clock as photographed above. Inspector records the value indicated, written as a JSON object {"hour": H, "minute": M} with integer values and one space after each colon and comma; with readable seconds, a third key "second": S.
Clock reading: {"hour": 7, "minute": 32, "second": 52}
